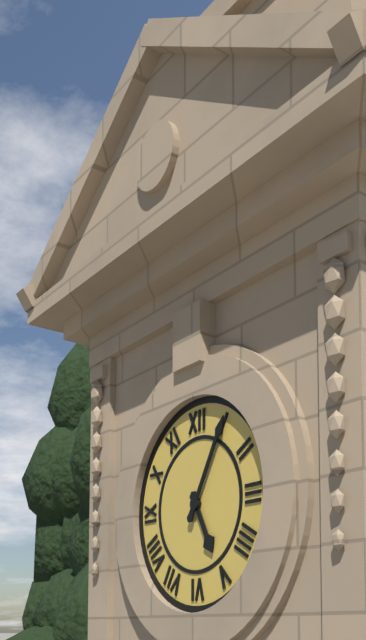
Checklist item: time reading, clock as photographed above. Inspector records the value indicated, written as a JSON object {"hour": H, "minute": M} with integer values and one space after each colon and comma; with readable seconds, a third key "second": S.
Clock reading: {"hour": 5, "minute": 5}
